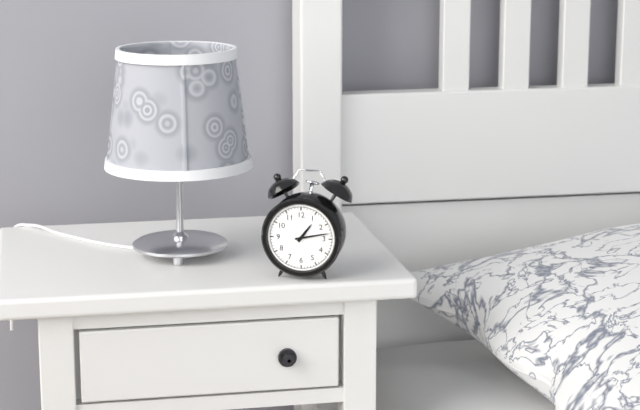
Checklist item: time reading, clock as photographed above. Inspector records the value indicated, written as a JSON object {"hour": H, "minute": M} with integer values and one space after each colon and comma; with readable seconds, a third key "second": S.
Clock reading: {"hour": 1, "minute": 13}
